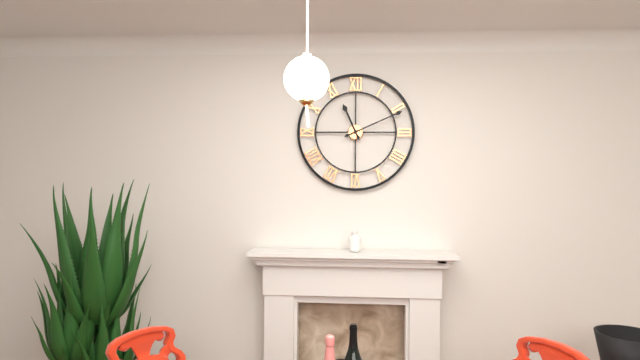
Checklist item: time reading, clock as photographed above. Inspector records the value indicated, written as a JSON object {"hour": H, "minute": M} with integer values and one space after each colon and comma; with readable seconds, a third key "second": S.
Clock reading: {"hour": 11, "minute": 11}
